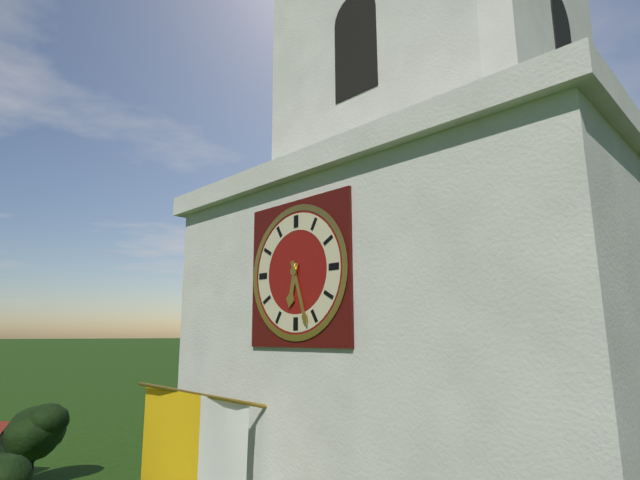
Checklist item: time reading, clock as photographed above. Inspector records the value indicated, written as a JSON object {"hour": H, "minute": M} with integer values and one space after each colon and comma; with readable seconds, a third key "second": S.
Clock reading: {"hour": 6, "minute": 27}
